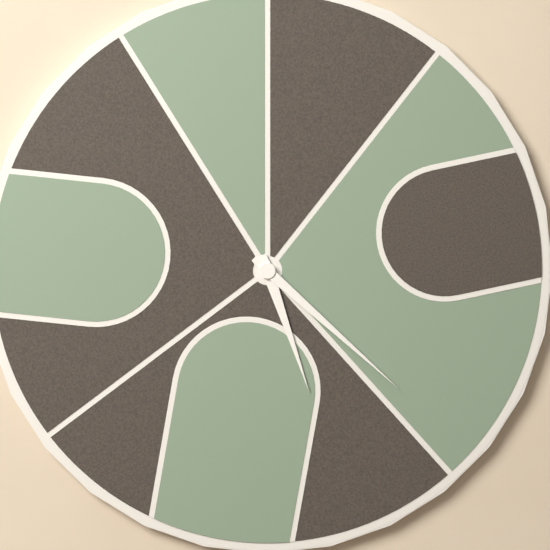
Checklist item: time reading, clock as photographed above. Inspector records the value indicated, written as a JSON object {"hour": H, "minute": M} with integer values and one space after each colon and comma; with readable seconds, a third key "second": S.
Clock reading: {"hour": 5, "minute": 22}
